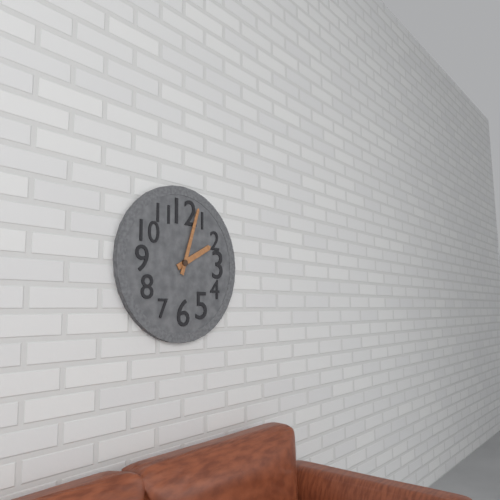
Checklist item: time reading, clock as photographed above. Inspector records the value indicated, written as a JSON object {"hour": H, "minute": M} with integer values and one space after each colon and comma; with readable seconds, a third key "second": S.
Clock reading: {"hour": 2, "minute": 3}
